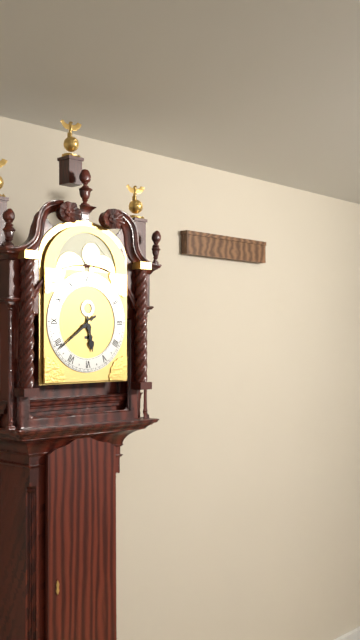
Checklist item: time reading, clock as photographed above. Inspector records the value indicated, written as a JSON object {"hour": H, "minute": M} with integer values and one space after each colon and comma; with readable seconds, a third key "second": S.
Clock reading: {"hour": 5, "minute": 39}
